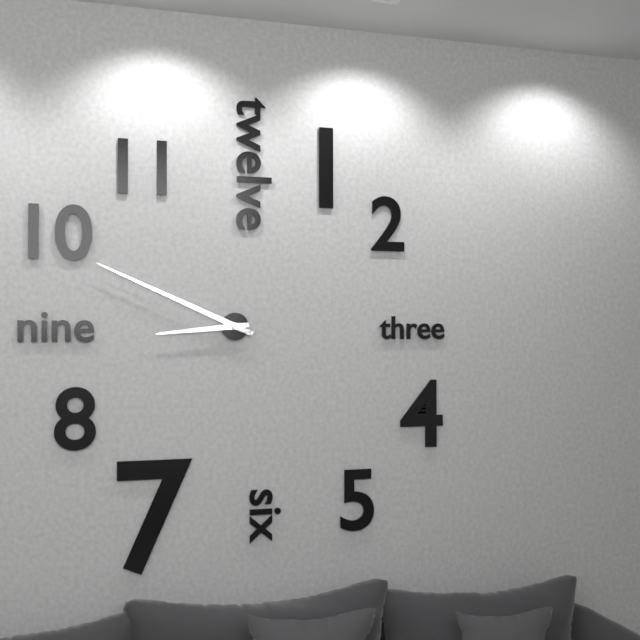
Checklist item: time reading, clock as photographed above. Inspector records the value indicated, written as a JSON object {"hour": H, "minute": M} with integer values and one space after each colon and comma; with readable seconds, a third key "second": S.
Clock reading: {"hour": 8, "minute": 49}
